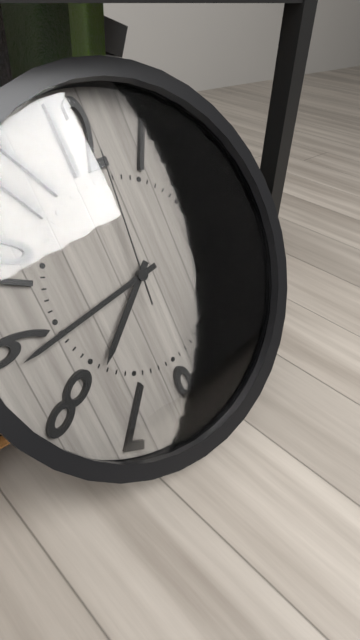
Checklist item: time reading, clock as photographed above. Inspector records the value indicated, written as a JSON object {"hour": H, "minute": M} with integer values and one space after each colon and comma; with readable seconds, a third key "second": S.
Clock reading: {"hour": 7, "minute": 44, "second": 1}
